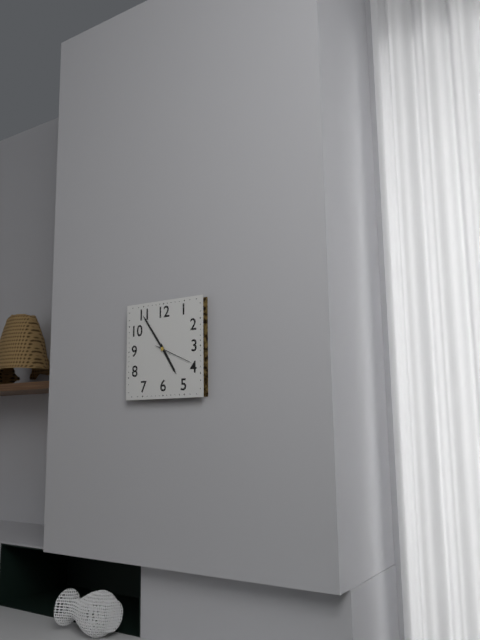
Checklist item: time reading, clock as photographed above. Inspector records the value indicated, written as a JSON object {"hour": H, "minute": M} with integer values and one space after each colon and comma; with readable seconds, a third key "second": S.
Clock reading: {"hour": 4, "minute": 54}
